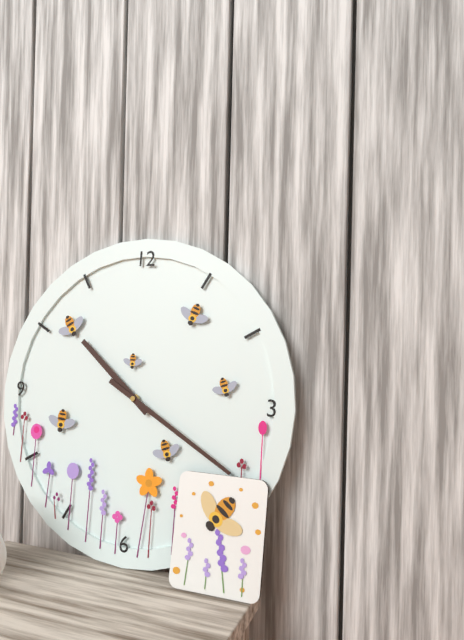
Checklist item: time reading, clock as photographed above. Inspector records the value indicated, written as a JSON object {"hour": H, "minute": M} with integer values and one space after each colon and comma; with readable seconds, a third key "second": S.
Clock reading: {"hour": 10, "minute": 20}
